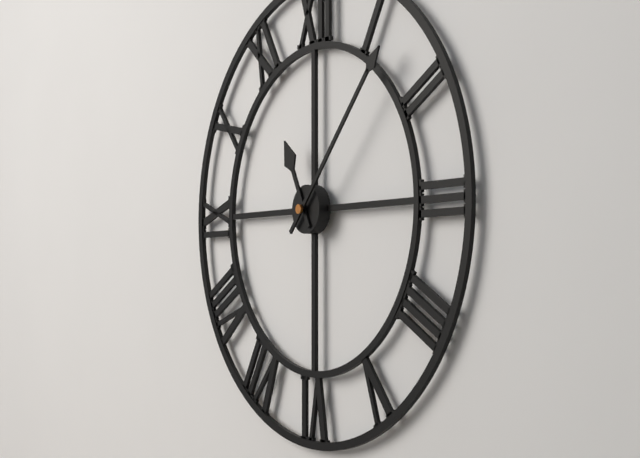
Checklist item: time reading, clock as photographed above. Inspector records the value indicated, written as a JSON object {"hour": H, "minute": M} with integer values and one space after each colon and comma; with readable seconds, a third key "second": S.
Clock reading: {"hour": 11, "minute": 7}
